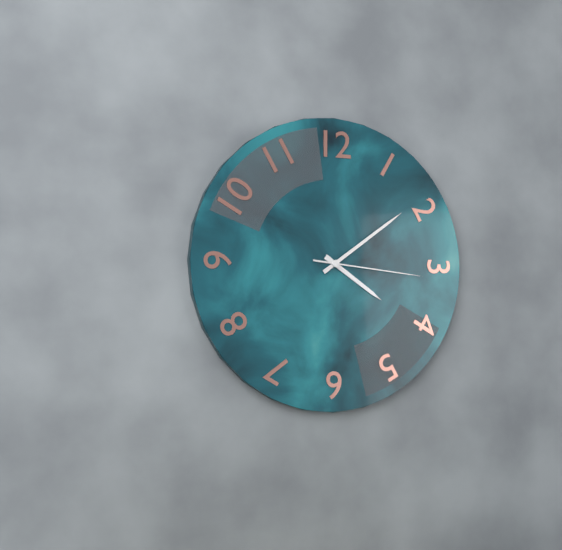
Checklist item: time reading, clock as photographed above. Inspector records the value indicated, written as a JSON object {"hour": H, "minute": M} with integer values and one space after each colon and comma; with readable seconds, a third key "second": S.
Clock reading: {"hour": 4, "minute": 9, "second": 16}
